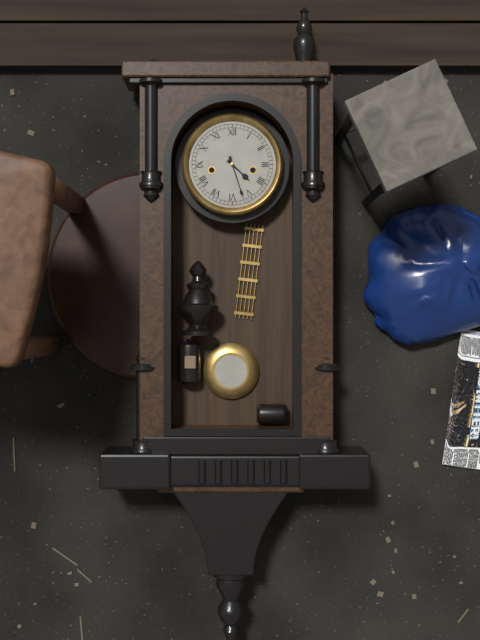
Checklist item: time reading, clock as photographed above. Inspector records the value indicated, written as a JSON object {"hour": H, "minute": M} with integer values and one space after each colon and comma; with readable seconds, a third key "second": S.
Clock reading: {"hour": 4, "minute": 27}
